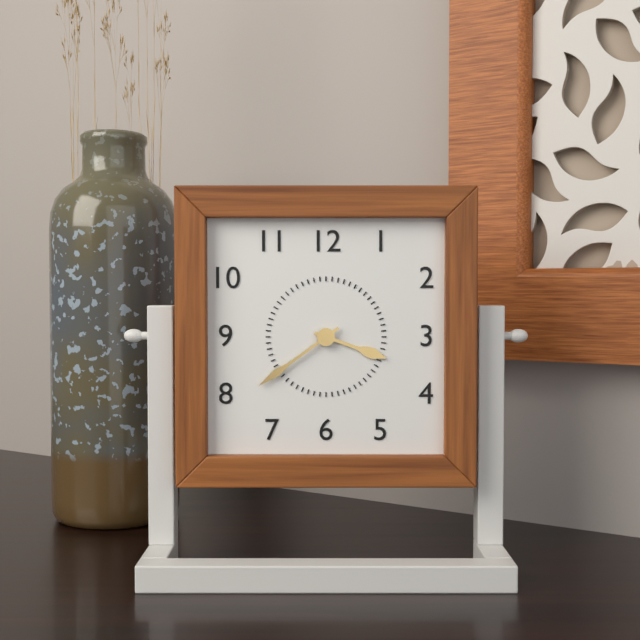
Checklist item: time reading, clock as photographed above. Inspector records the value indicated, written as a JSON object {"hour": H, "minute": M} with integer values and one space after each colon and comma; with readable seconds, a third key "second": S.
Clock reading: {"hour": 3, "minute": 39}
